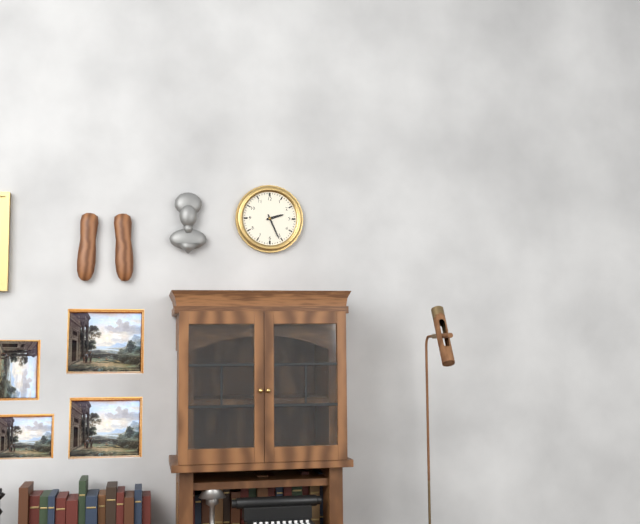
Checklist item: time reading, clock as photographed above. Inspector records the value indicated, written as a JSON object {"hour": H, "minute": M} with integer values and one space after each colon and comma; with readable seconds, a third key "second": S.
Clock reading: {"hour": 2, "minute": 26}
